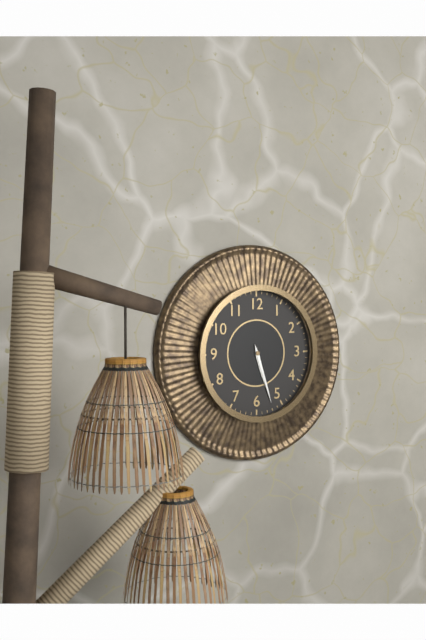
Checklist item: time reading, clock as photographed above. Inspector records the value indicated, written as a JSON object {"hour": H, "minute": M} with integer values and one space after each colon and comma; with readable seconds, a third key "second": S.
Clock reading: {"hour": 5, "minute": 27}
